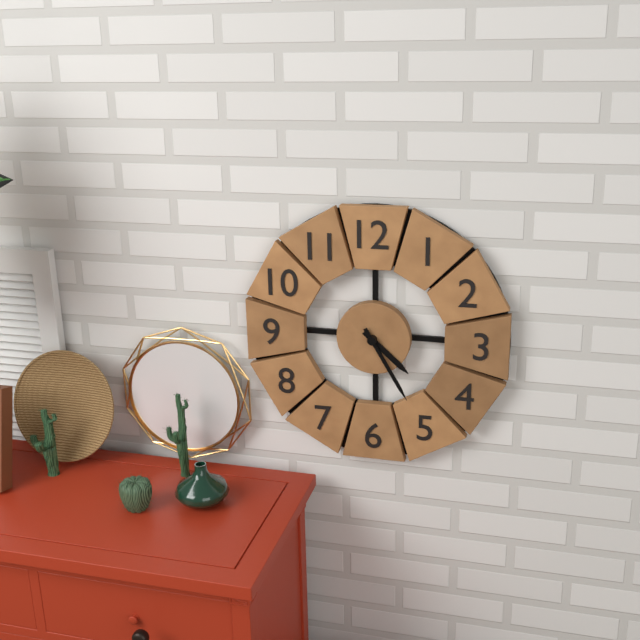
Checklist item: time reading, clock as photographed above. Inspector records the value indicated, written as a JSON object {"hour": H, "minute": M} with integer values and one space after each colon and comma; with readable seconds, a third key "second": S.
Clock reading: {"hour": 4, "minute": 25}
